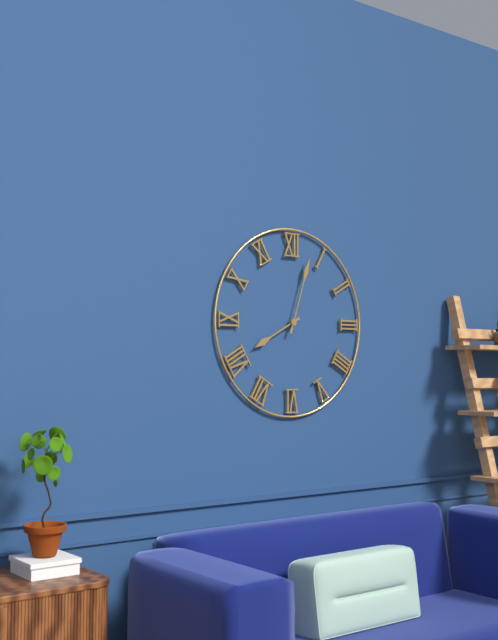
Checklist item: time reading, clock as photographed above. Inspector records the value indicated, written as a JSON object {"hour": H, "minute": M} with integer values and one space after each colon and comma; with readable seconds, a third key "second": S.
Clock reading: {"hour": 8, "minute": 3}
